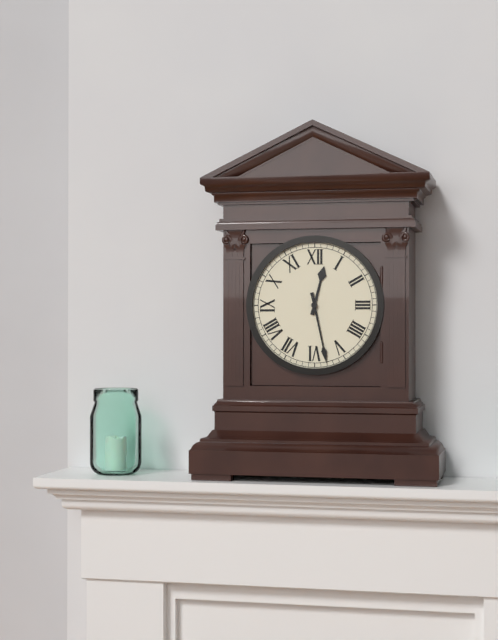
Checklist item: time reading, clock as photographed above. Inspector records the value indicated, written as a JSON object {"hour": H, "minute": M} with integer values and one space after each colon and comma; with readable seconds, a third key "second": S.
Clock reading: {"hour": 12, "minute": 28}
